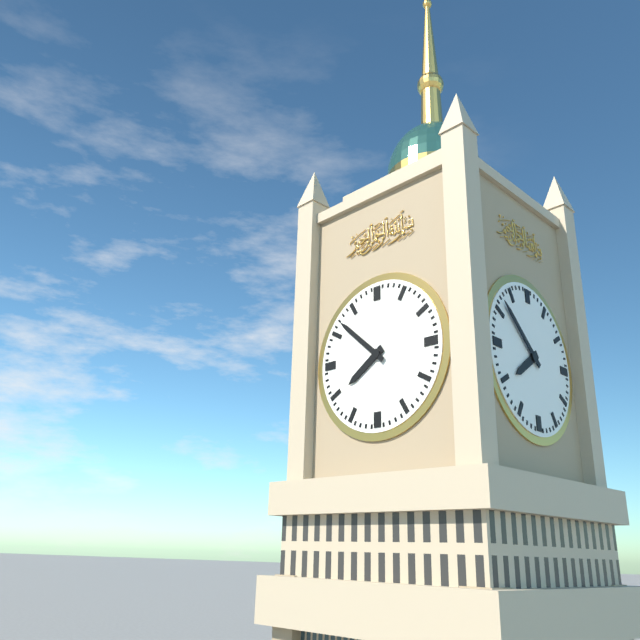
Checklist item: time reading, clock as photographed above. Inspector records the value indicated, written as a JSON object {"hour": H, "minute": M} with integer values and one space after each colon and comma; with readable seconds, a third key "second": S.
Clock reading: {"hour": 7, "minute": 52}
